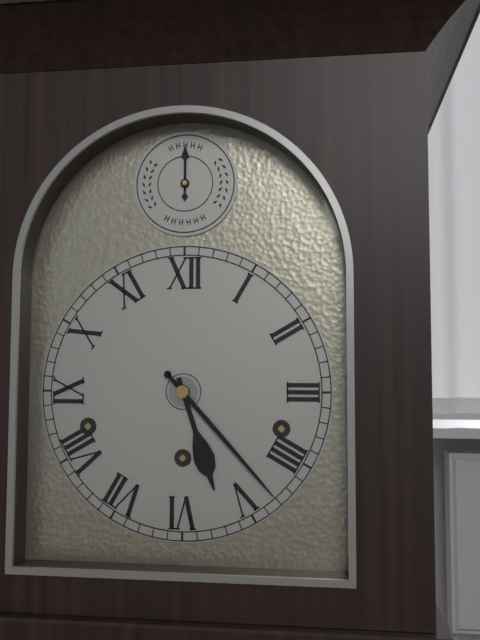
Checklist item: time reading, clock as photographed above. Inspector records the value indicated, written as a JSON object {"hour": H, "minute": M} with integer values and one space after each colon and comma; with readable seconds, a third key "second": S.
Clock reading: {"hour": 5, "minute": 23}
